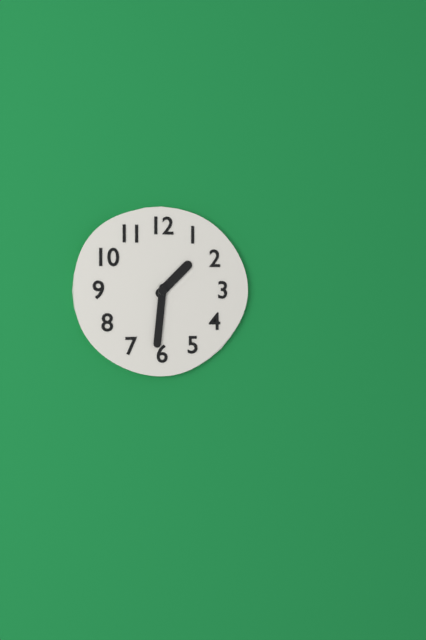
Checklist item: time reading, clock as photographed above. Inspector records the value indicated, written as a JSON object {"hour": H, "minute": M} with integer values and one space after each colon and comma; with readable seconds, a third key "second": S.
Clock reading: {"hour": 1, "minute": 31}
